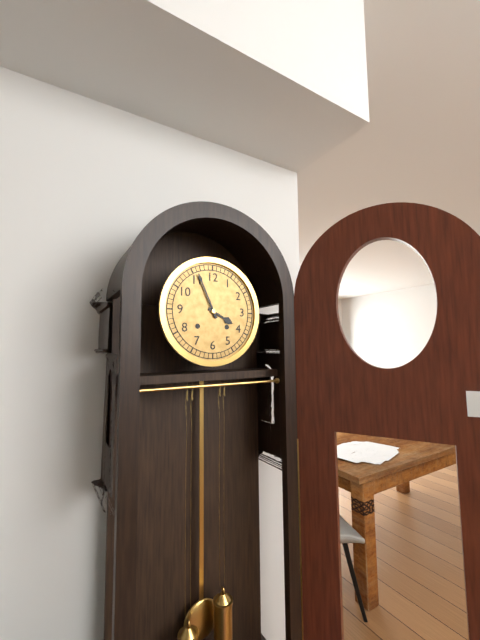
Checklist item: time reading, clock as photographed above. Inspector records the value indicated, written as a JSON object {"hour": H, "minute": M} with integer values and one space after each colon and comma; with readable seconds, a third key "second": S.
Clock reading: {"hour": 3, "minute": 56}
